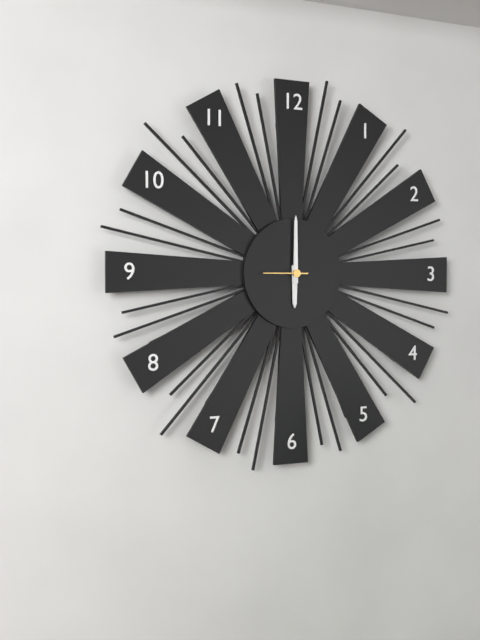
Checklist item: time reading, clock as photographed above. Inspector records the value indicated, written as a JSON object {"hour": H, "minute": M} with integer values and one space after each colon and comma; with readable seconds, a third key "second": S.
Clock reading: {"hour": 6, "minute": 0}
